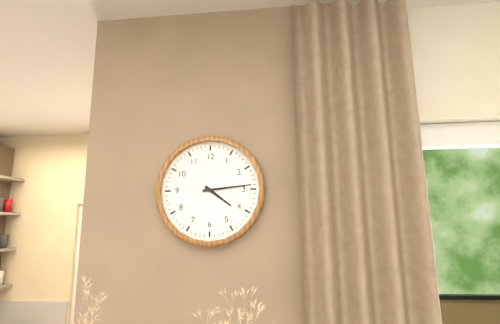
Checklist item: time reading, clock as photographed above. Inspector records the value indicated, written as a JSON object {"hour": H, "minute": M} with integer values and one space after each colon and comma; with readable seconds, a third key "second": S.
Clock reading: {"hour": 4, "minute": 14}
